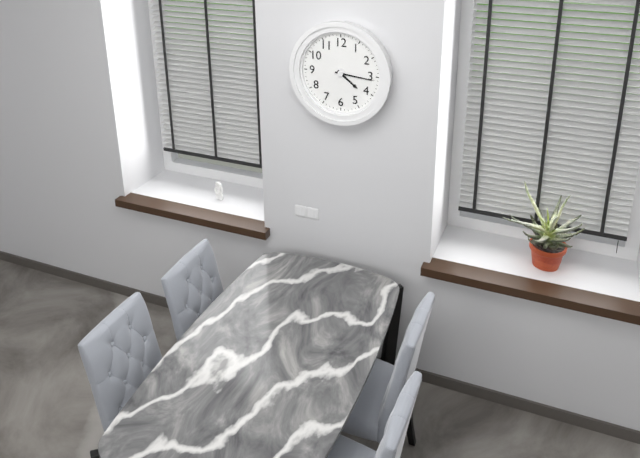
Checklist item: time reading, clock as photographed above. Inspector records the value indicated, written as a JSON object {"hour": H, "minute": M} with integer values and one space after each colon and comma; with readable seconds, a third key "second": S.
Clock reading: {"hour": 4, "minute": 16}
